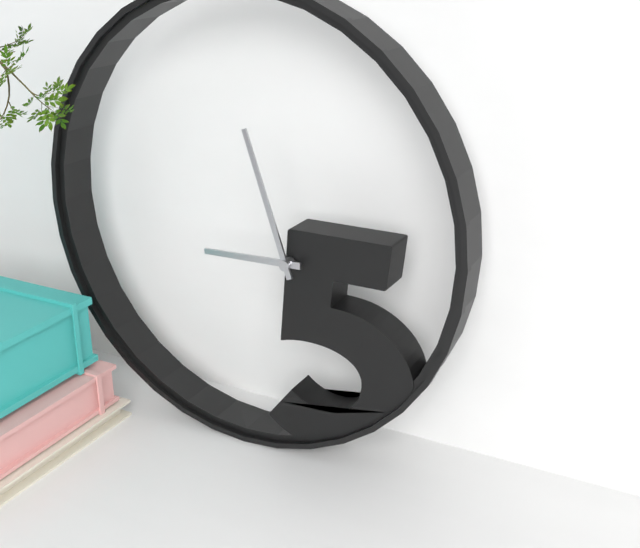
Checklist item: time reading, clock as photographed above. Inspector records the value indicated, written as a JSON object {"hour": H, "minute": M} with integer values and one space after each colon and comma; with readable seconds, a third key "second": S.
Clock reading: {"hour": 8, "minute": 57}
